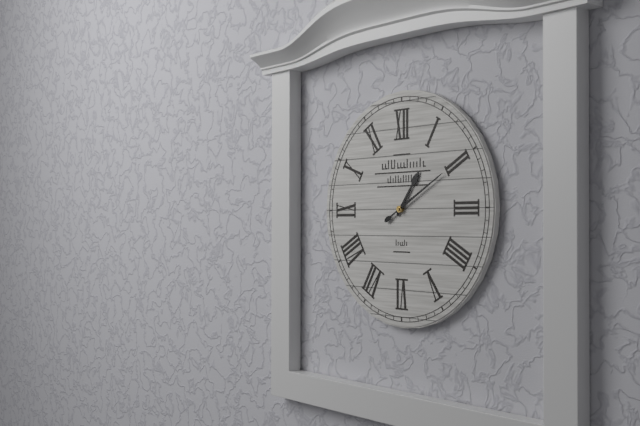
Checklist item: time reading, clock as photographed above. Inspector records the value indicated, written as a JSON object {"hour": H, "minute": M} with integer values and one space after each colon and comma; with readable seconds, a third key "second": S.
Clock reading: {"hour": 1, "minute": 10}
